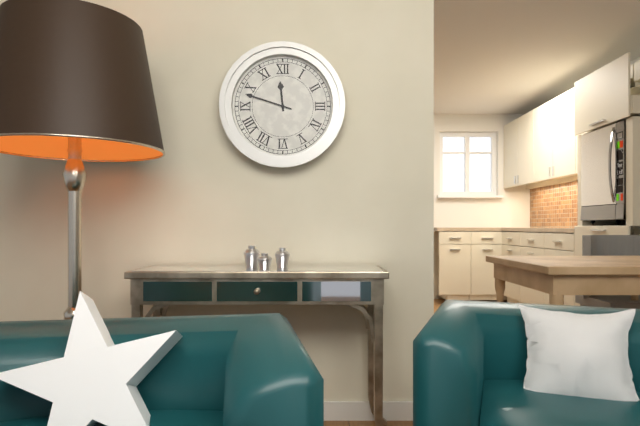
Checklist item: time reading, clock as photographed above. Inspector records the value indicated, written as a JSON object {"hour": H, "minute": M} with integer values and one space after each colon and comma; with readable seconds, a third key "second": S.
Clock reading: {"hour": 11, "minute": 48}
